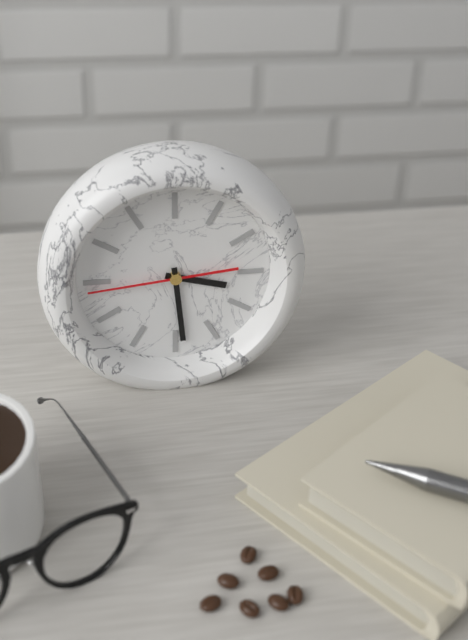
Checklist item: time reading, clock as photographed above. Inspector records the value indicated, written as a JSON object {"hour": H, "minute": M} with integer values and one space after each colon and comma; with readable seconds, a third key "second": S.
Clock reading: {"hour": 3, "minute": 29, "second": 44}
